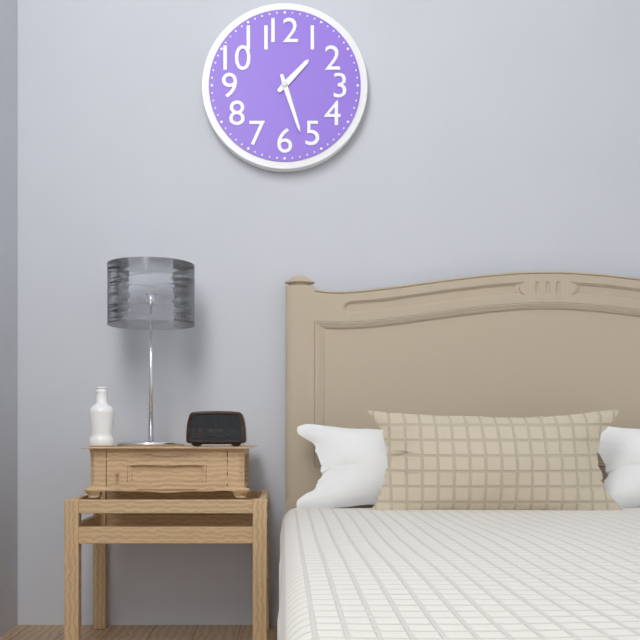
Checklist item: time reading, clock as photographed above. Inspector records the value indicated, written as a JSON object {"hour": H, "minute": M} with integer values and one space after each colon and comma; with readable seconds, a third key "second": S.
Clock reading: {"hour": 1, "minute": 27}
